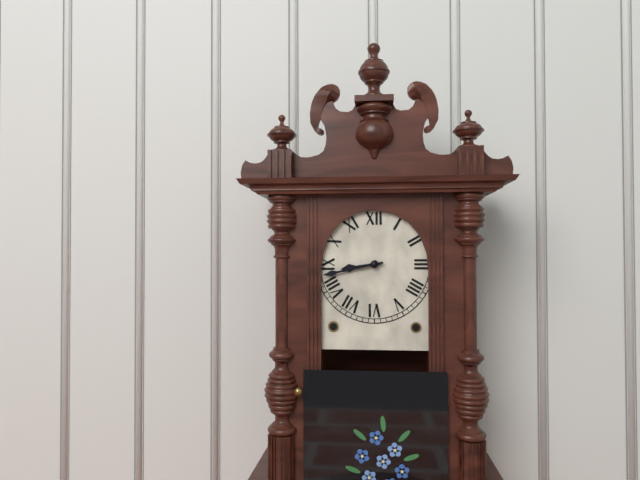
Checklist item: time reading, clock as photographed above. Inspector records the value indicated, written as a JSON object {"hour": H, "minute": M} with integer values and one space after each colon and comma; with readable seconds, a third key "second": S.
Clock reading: {"hour": 8, "minute": 43}
